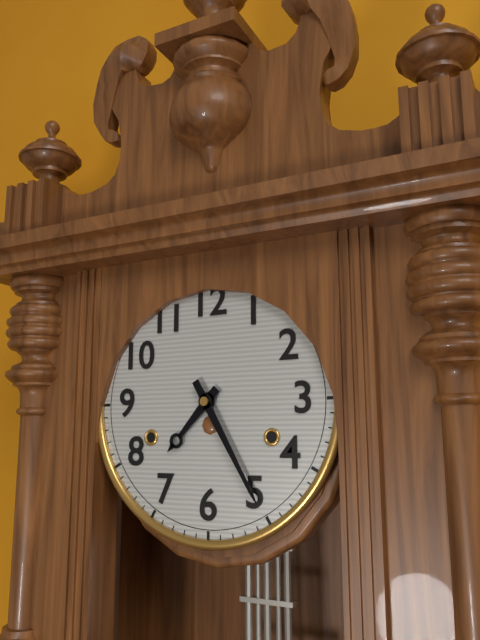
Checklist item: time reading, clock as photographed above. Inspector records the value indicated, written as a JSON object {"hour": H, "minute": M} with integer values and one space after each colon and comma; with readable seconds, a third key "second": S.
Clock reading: {"hour": 7, "minute": 25}
